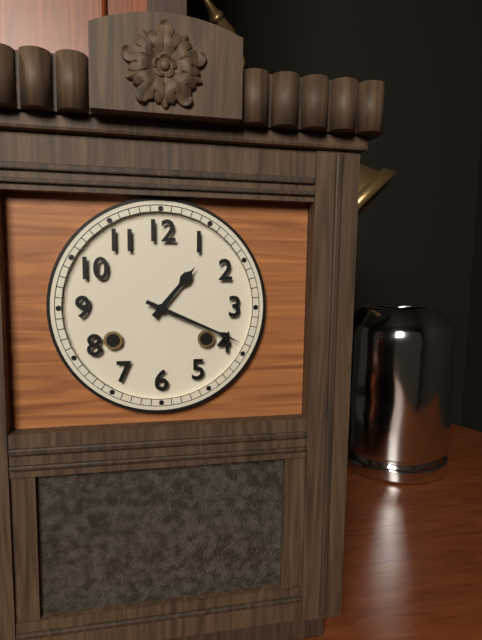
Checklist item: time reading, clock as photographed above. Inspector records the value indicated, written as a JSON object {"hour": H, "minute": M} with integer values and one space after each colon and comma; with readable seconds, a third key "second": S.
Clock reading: {"hour": 1, "minute": 19}
